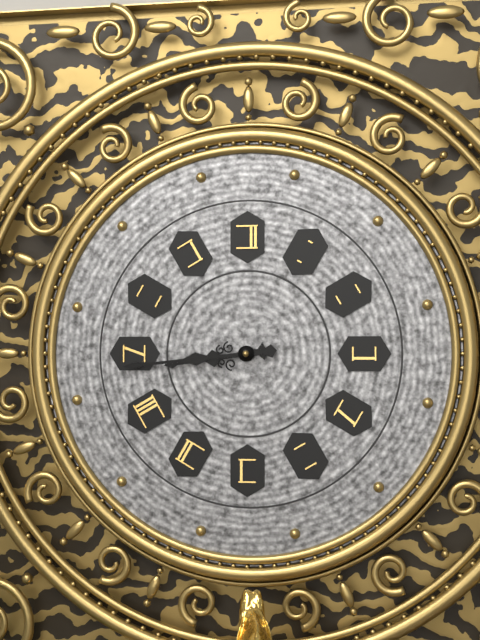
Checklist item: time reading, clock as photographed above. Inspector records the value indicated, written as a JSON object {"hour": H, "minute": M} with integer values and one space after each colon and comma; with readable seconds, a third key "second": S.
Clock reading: {"hour": 8, "minute": 44}
